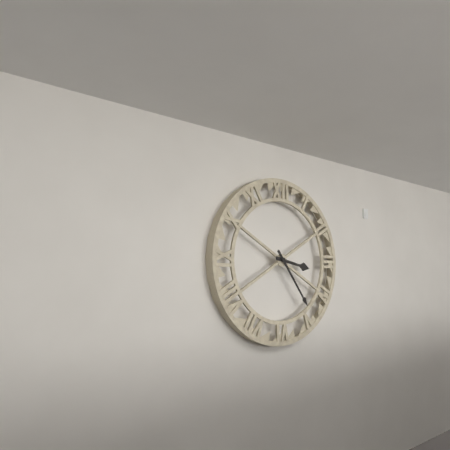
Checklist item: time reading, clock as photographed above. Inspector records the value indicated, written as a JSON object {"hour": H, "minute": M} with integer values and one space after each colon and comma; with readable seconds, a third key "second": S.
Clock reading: {"hour": 3, "minute": 24}
